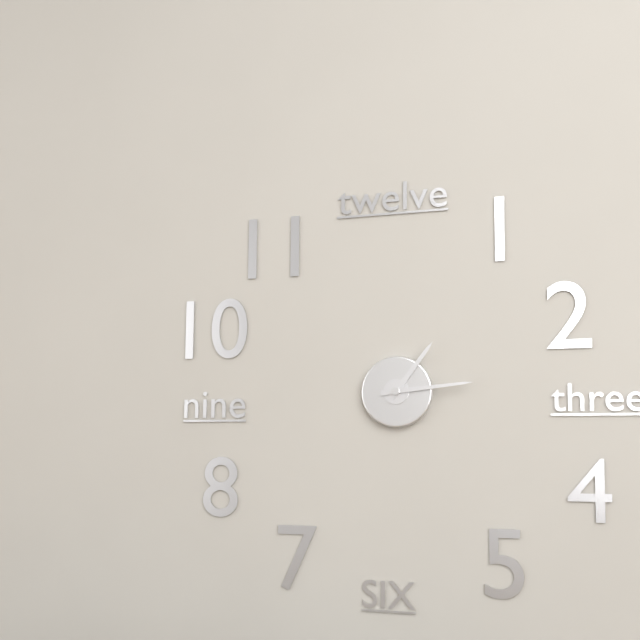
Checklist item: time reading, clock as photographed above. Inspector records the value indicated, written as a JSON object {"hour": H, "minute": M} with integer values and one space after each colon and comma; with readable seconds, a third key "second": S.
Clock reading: {"hour": 1, "minute": 14}
